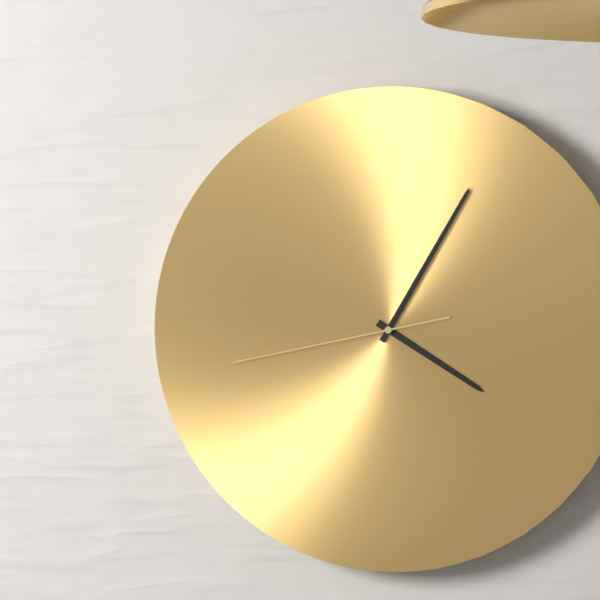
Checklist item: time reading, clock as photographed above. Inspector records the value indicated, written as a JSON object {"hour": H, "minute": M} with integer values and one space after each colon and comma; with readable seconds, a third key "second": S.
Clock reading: {"hour": 4, "minute": 5, "second": 43}
